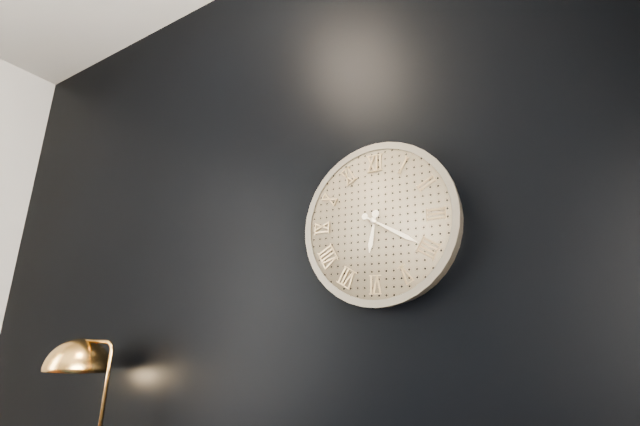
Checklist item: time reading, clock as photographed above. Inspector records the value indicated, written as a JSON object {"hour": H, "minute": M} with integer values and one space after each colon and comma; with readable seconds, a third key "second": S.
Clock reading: {"hour": 6, "minute": 20}
